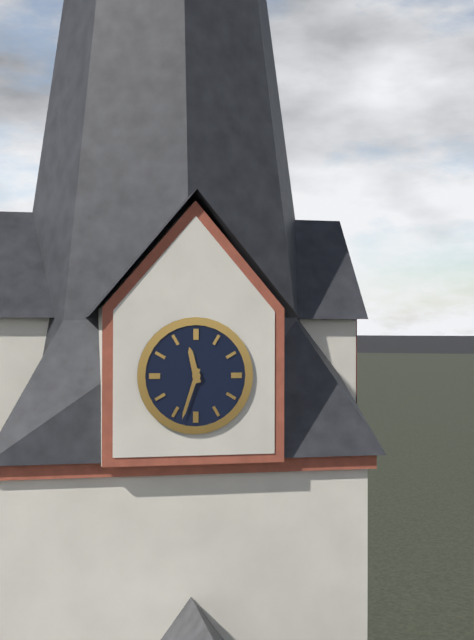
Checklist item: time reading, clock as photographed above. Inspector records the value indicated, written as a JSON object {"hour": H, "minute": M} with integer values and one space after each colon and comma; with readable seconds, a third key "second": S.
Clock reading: {"hour": 11, "minute": 33}
